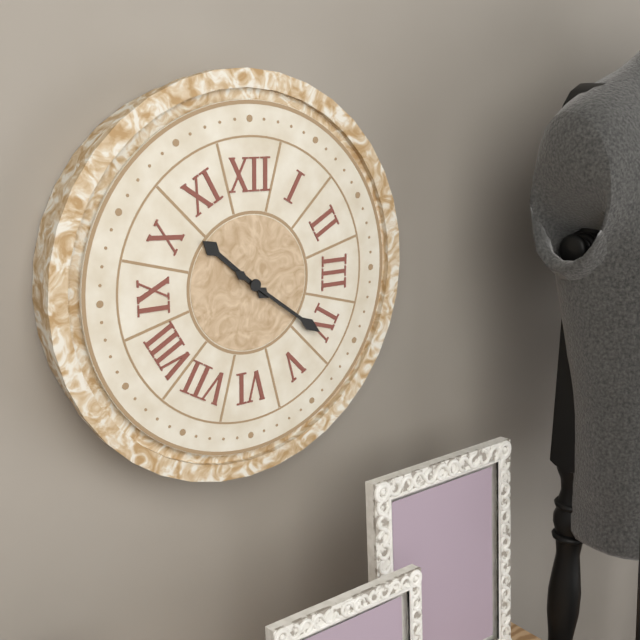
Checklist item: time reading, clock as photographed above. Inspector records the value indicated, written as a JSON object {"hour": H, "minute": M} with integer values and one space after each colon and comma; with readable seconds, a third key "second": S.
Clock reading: {"hour": 10, "minute": 21}
